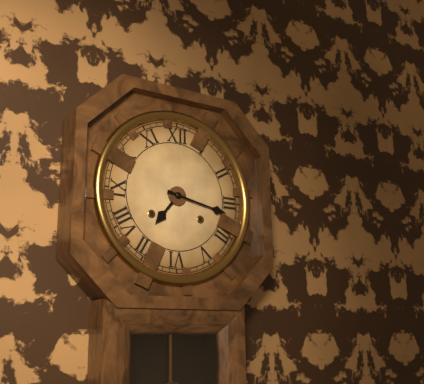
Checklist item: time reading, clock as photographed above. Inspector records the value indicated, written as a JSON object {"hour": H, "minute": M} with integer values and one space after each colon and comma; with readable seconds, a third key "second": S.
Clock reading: {"hour": 7, "minute": 17}
